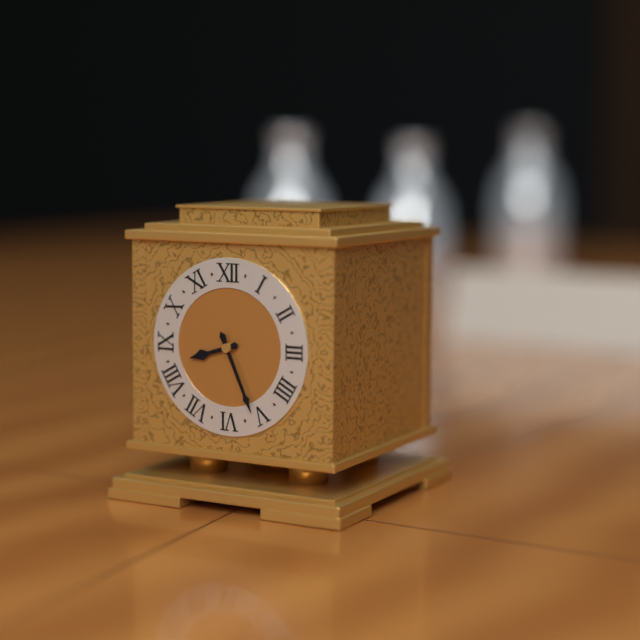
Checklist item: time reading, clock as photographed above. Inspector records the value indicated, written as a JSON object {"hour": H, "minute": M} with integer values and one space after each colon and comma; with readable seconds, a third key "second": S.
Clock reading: {"hour": 8, "minute": 26}
